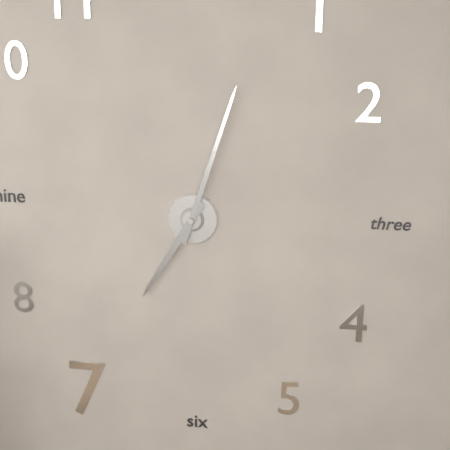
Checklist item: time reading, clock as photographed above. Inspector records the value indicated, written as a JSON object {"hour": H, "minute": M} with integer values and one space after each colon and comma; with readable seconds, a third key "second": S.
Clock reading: {"hour": 7, "minute": 3}
